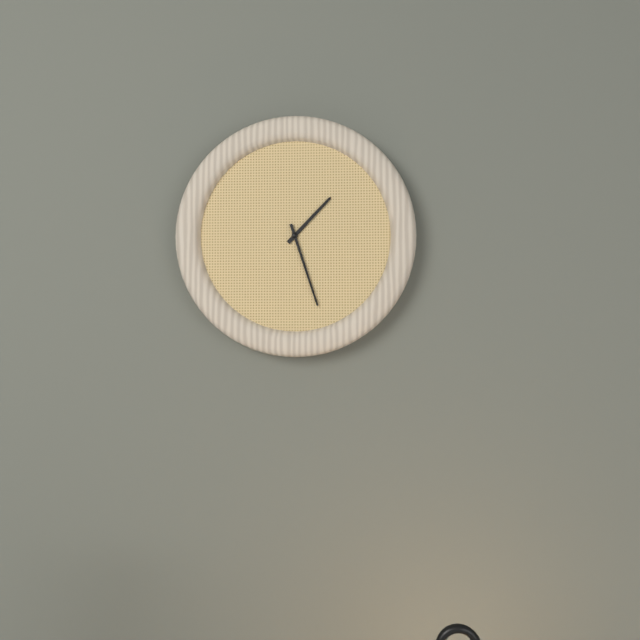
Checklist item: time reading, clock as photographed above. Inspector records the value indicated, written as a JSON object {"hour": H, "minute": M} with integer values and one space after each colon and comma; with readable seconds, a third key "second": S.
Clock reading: {"hour": 1, "minute": 27}
